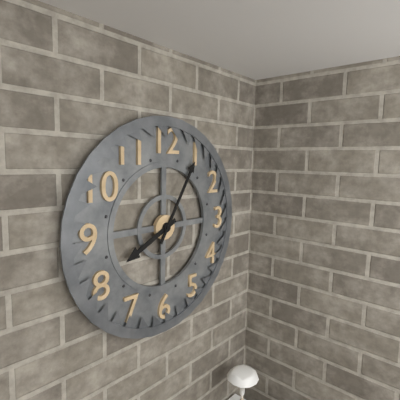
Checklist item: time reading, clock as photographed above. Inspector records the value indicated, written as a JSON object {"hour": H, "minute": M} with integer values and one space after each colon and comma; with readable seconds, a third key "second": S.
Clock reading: {"hour": 8, "minute": 5}
